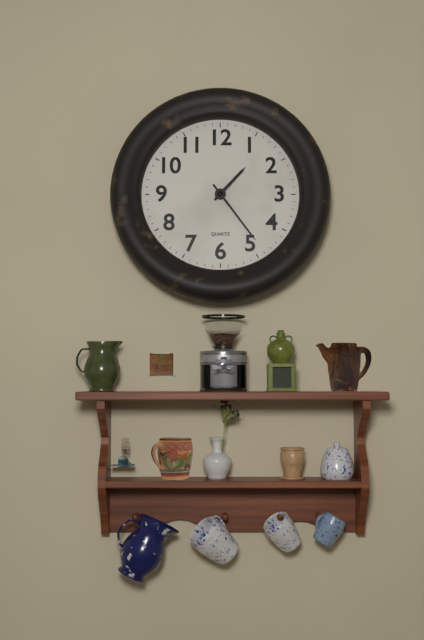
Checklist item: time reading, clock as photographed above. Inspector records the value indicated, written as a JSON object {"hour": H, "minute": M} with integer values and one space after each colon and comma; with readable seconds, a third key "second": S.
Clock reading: {"hour": 1, "minute": 24}
